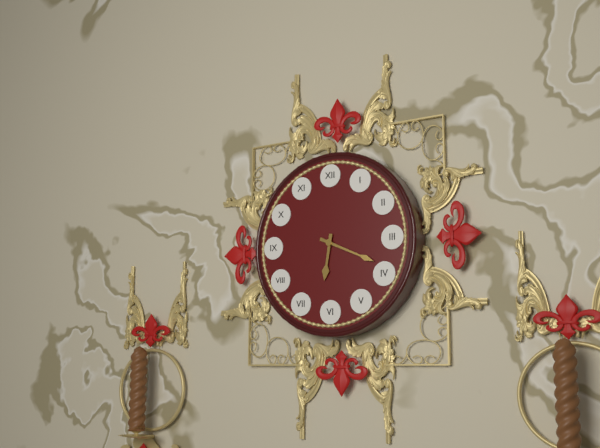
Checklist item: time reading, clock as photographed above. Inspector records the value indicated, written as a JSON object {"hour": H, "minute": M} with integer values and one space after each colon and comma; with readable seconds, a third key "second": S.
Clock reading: {"hour": 6, "minute": 19}
